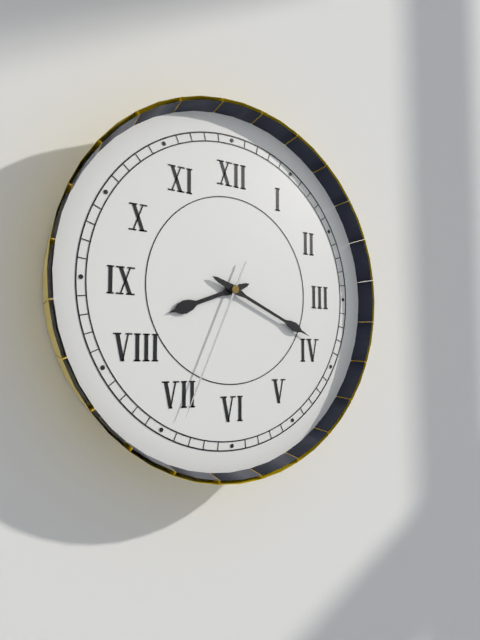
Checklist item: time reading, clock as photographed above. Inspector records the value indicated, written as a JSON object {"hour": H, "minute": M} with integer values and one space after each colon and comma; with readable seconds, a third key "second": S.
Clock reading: {"hour": 8, "minute": 19, "second": 34}
